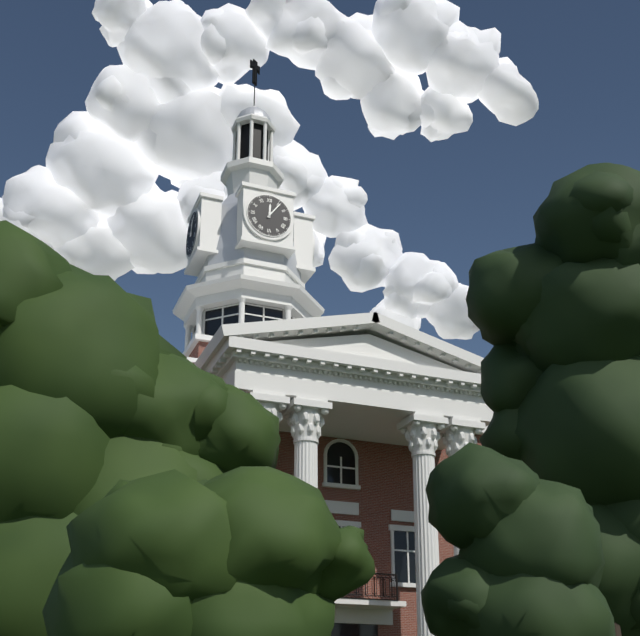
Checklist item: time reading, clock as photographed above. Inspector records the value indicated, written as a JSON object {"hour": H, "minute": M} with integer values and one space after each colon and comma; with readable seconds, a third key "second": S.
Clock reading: {"hour": 12, "minute": 6}
